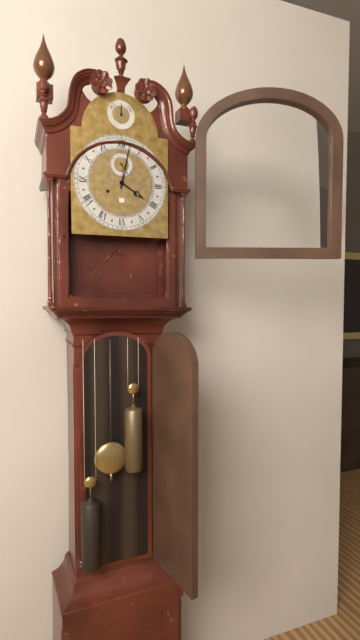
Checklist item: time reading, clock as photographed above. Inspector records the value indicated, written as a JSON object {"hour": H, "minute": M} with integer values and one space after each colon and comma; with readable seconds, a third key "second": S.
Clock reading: {"hour": 4, "minute": 2}
